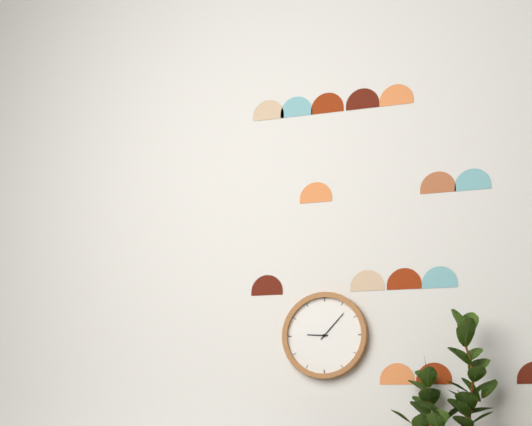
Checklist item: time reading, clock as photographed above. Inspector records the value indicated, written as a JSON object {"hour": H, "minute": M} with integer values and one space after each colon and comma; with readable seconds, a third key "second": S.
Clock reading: {"hour": 9, "minute": 7}
